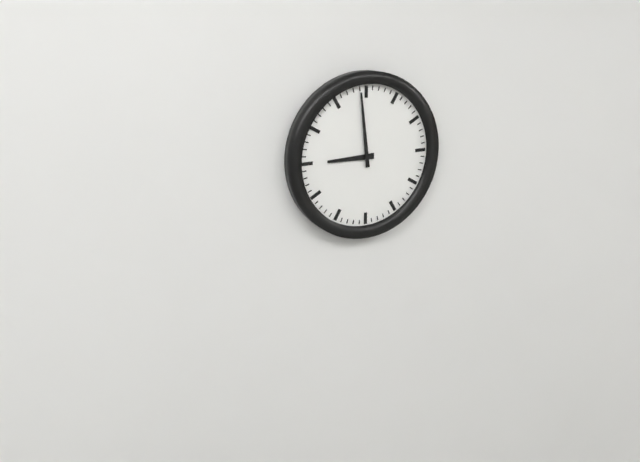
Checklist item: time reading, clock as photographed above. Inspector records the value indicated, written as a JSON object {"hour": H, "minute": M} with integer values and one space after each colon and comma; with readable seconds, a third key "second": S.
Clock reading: {"hour": 8, "minute": 59}
